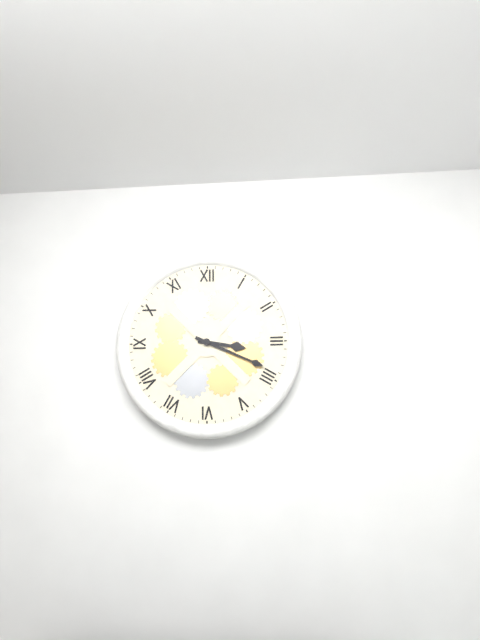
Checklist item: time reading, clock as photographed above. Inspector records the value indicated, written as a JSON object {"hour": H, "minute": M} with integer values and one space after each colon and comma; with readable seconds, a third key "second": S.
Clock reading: {"hour": 3, "minute": 19}
